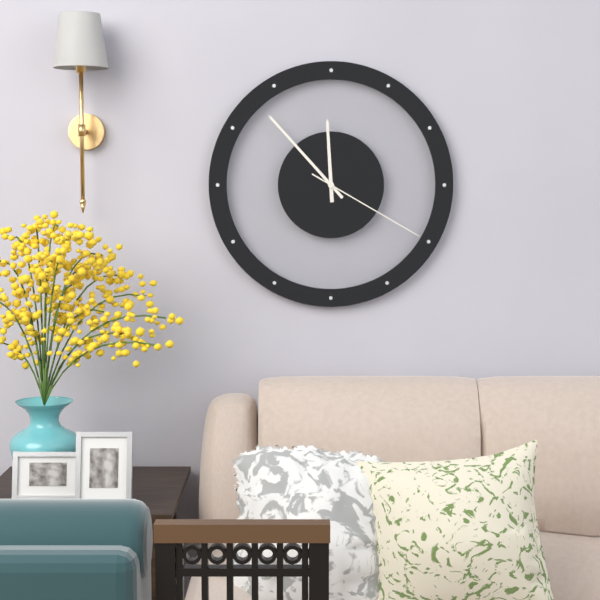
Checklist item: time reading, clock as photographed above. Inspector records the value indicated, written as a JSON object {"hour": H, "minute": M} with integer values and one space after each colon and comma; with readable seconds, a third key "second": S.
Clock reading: {"hour": 11, "minute": 53, "second": 20}
